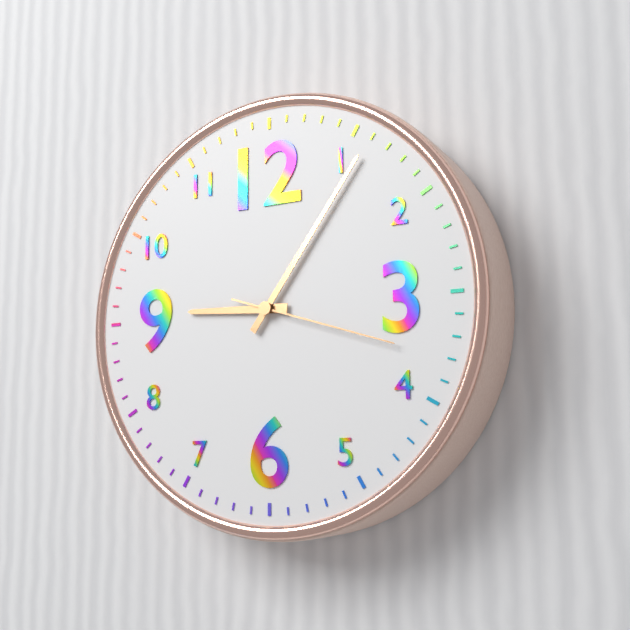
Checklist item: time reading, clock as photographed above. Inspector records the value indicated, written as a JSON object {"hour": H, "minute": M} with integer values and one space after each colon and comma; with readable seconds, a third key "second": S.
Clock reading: {"hour": 9, "minute": 6, "second": 18}
